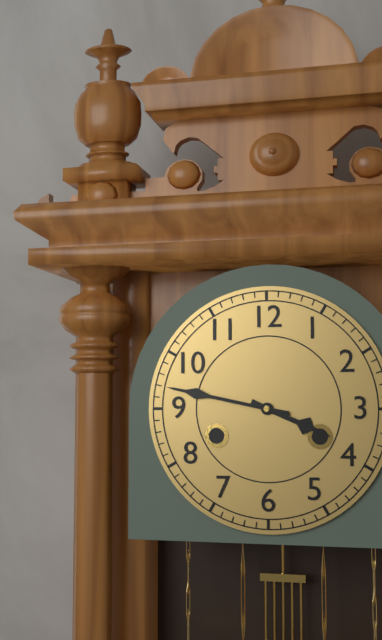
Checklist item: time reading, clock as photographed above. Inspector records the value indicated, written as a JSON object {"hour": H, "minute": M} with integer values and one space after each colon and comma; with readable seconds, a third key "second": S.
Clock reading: {"hour": 3, "minute": 47}
